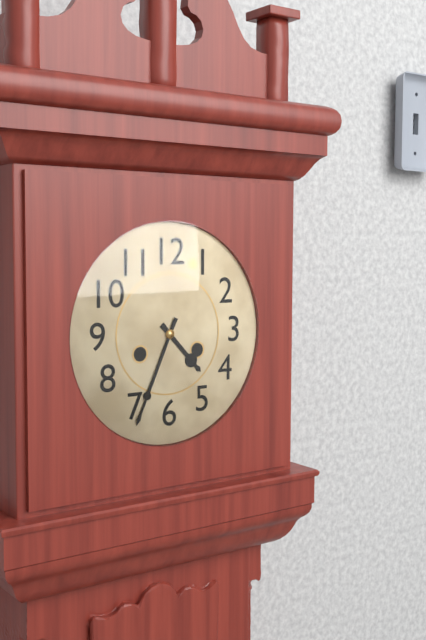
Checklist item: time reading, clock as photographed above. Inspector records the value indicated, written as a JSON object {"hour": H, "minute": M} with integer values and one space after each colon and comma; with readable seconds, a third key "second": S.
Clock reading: {"hour": 4, "minute": 34}
